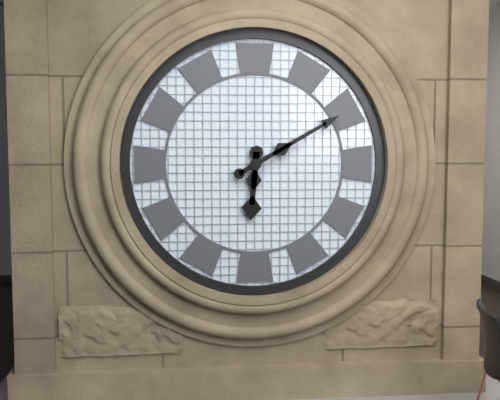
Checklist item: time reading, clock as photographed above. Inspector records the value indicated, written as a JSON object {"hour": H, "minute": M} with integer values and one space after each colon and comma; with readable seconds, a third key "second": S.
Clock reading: {"hour": 6, "minute": 10}
